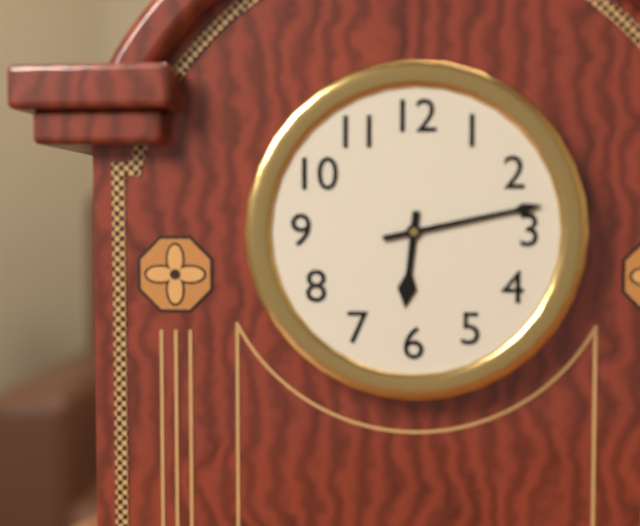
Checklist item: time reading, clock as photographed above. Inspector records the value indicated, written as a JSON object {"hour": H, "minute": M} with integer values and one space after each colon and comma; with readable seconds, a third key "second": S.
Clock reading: {"hour": 6, "minute": 13}
